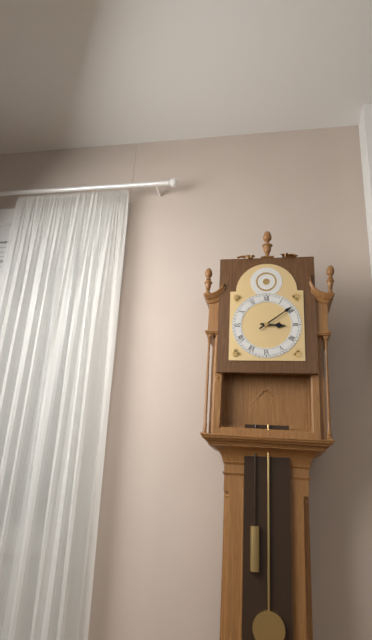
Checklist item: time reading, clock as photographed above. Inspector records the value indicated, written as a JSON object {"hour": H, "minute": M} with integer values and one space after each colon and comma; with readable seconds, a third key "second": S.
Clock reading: {"hour": 3, "minute": 9}
